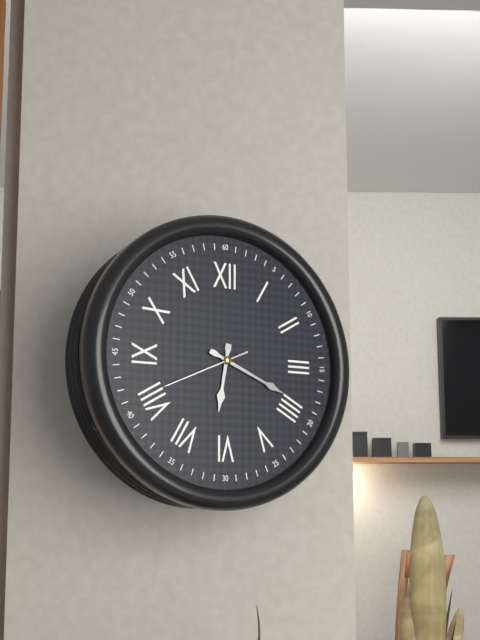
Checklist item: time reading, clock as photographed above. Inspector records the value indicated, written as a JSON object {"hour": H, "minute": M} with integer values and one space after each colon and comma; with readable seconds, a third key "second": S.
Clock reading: {"hour": 6, "minute": 19, "second": 41}
